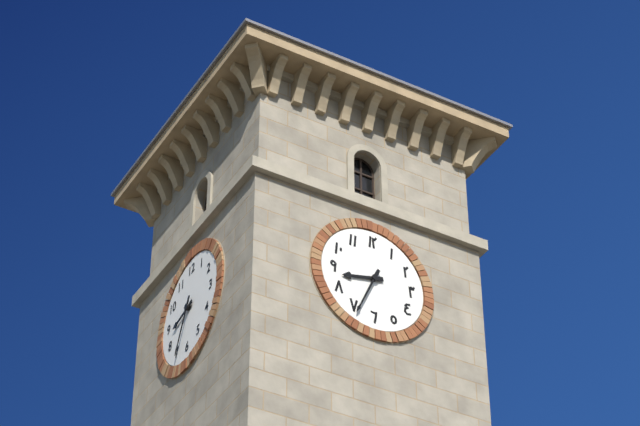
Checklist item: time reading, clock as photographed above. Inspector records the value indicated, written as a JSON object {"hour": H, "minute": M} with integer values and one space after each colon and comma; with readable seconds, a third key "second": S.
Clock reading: {"hour": 8, "minute": 34}
